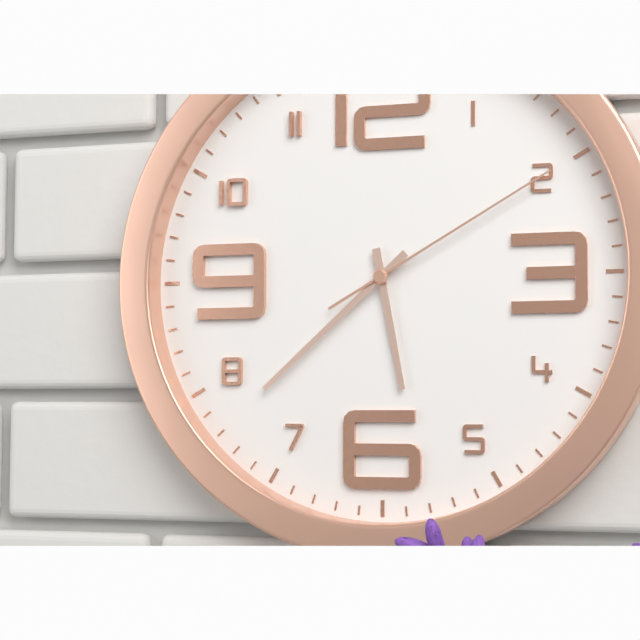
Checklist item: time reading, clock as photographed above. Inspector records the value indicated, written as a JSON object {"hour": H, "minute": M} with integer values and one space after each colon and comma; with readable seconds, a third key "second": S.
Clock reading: {"hour": 5, "minute": 38, "second": 10}
